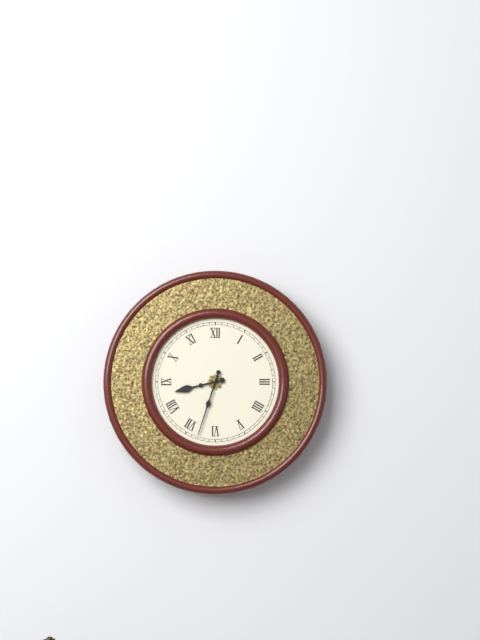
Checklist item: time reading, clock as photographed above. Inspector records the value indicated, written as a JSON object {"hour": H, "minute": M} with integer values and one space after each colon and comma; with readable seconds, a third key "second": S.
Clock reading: {"hour": 8, "minute": 33}
